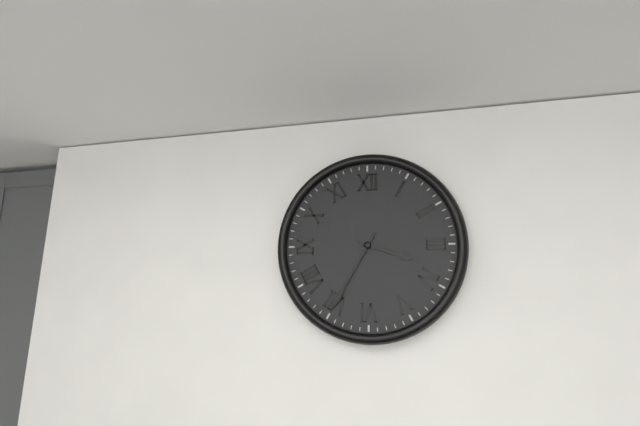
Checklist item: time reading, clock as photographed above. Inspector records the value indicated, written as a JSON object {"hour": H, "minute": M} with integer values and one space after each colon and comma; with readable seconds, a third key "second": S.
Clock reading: {"hour": 3, "minute": 35}
